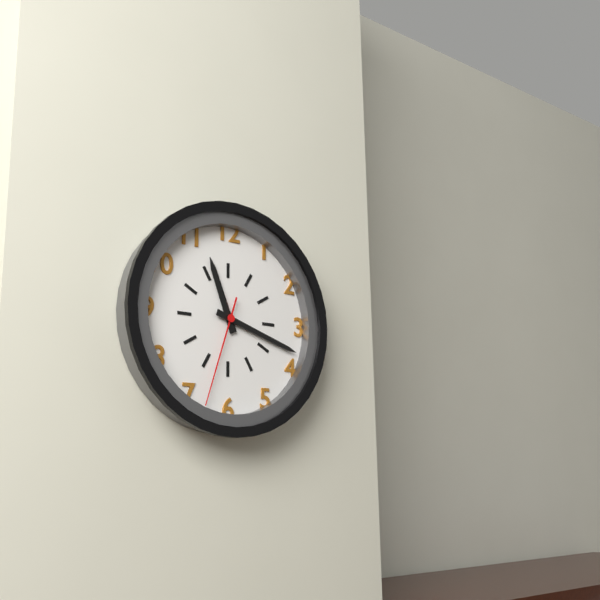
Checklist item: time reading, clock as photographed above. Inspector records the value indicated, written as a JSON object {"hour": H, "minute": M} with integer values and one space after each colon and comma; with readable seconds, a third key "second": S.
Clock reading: {"hour": 11, "minute": 18, "second": 33}
